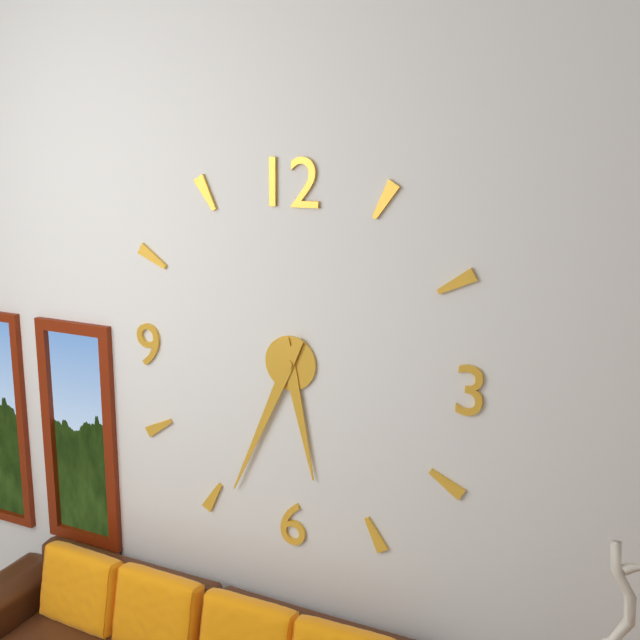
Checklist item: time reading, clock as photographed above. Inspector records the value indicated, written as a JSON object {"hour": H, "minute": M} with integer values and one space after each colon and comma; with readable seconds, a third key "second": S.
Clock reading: {"hour": 5, "minute": 34}
